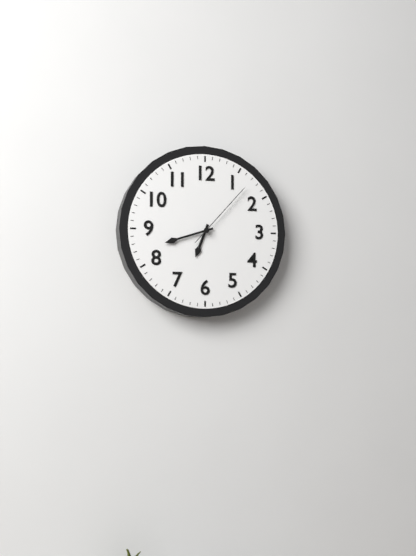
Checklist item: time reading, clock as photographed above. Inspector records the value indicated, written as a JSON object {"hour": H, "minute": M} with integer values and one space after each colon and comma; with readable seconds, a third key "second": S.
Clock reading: {"hour": 6, "minute": 42, "second": 7}
